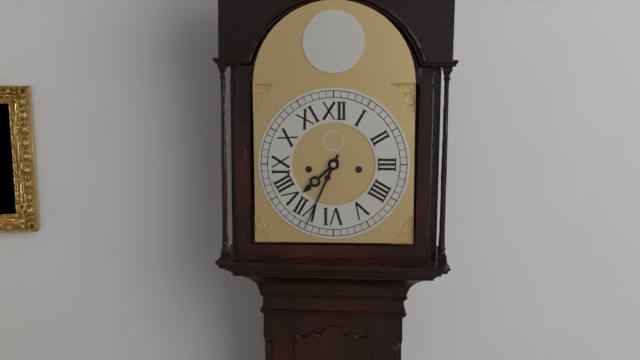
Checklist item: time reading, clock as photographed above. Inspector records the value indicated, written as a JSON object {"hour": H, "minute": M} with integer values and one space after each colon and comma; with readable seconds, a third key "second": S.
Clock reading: {"hour": 7, "minute": 34}
